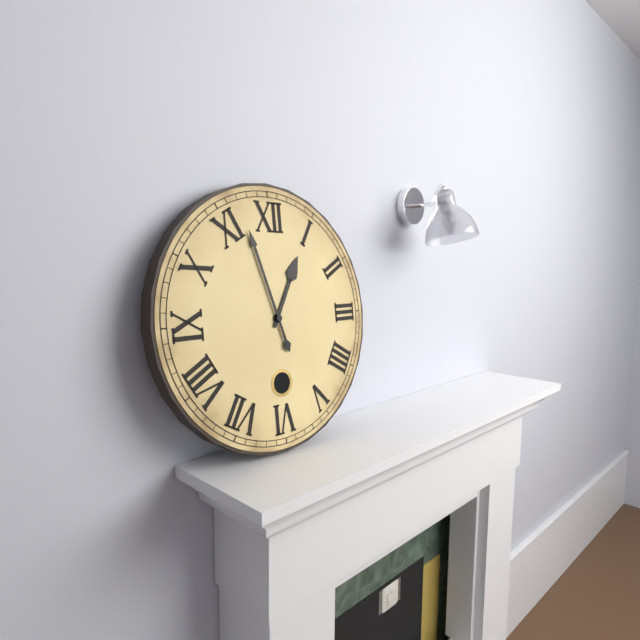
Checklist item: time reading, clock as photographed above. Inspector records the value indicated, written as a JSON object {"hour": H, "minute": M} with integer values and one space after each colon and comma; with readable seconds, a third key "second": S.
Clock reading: {"hour": 12, "minute": 57}
